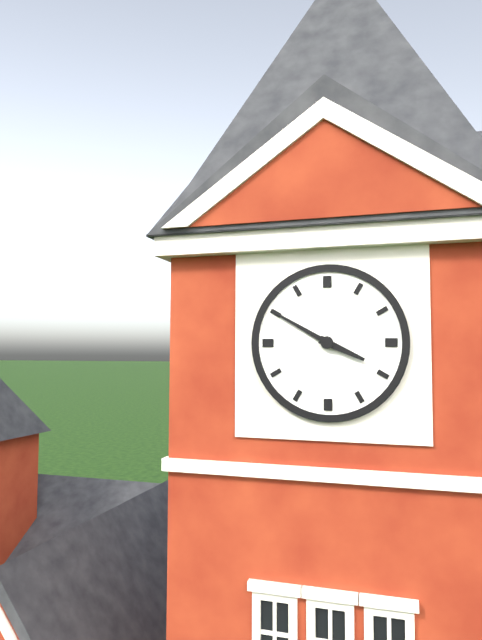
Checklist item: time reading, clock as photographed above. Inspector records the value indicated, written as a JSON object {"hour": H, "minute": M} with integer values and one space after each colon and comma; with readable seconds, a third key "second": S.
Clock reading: {"hour": 3, "minute": 50}
